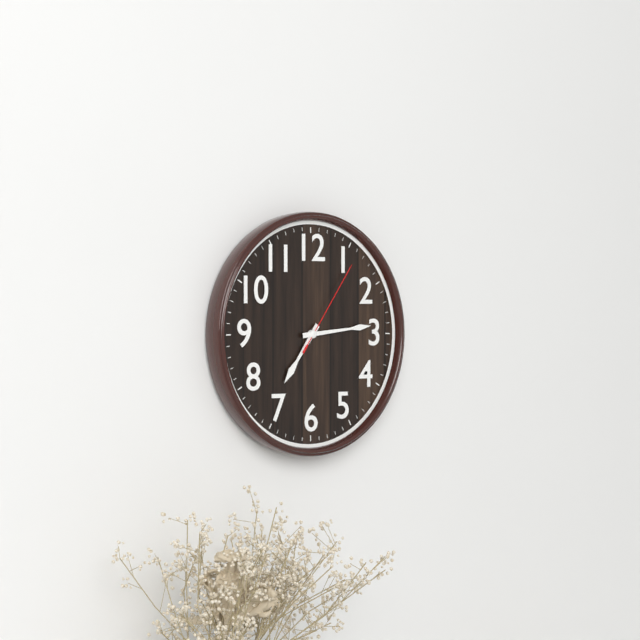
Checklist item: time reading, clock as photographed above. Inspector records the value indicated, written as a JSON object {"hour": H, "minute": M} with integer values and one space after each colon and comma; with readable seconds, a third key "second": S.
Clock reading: {"hour": 7, "minute": 14, "second": 6}
